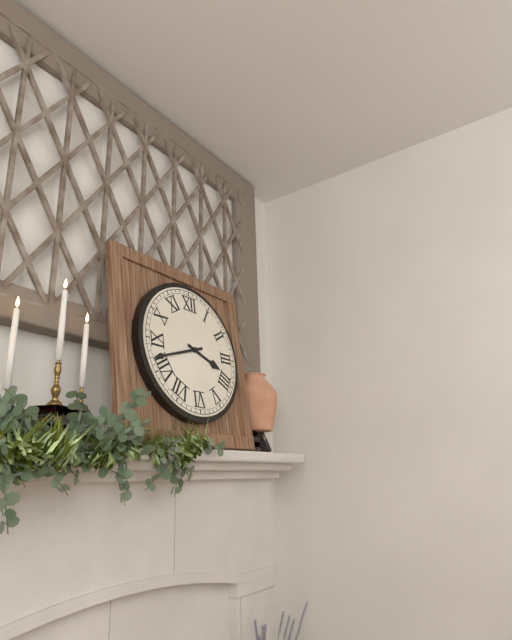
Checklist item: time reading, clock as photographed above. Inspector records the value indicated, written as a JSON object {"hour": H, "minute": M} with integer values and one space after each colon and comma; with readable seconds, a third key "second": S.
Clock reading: {"hour": 3, "minute": 42}
